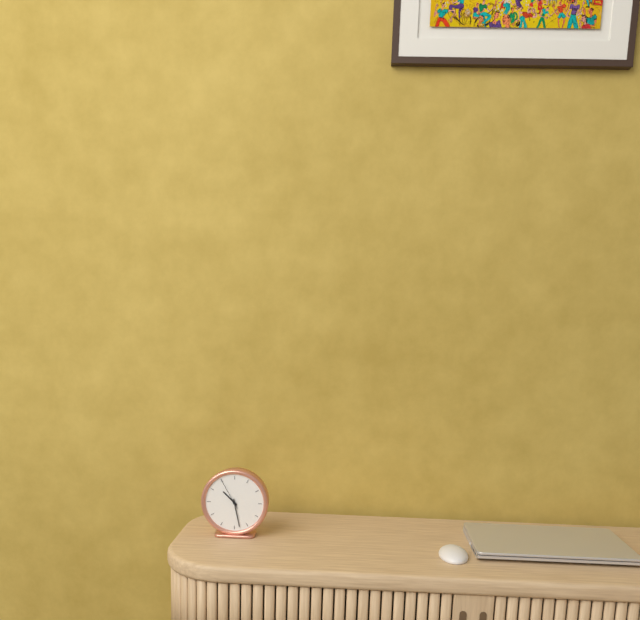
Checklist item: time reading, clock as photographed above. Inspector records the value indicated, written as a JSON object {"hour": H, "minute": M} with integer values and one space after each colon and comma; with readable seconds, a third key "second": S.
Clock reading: {"hour": 10, "minute": 28}
